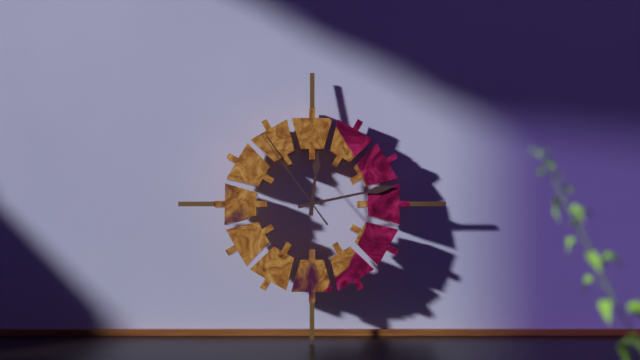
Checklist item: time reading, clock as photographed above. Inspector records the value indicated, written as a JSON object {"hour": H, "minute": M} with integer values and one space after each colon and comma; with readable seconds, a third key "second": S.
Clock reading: {"hour": 12, "minute": 13, "second": 54}
